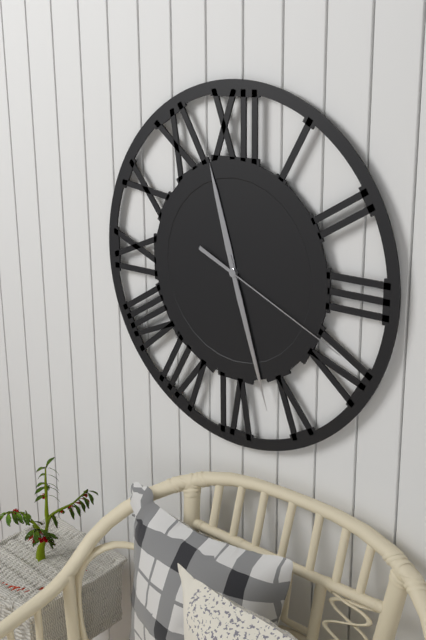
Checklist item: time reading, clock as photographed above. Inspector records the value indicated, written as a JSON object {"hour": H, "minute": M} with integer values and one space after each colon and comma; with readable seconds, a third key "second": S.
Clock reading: {"hour": 11, "minute": 27, "second": 19}
